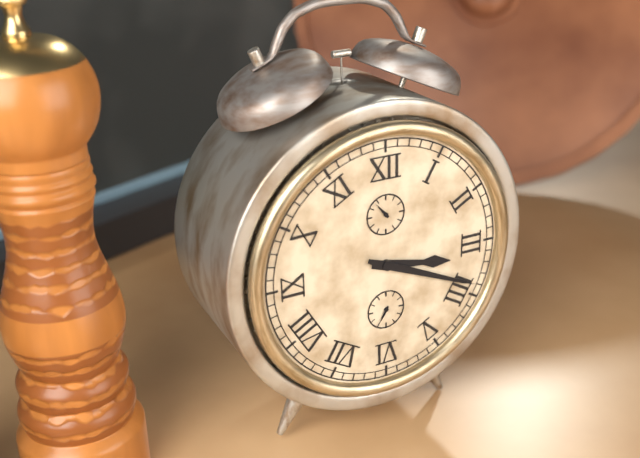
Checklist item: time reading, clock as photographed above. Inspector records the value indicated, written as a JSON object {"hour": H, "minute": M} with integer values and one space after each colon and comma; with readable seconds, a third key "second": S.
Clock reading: {"hour": 3, "minute": 19}
